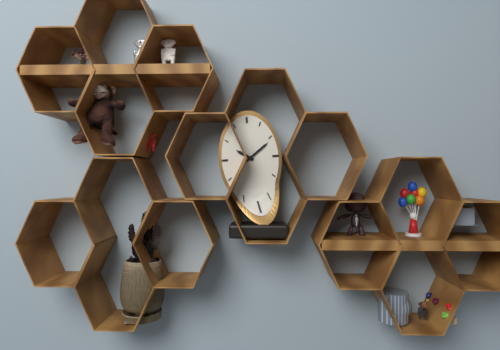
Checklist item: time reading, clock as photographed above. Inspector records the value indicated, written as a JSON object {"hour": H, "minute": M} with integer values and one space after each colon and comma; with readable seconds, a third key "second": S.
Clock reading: {"hour": 10, "minute": 9}
